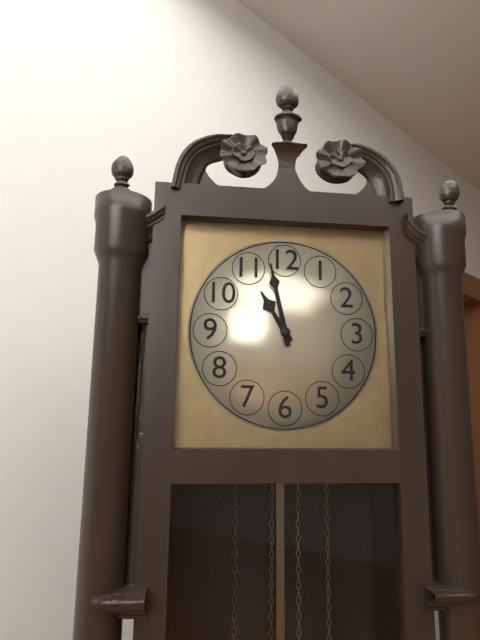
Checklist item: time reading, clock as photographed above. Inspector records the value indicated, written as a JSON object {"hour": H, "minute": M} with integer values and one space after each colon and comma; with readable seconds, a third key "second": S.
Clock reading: {"hour": 10, "minute": 58}
